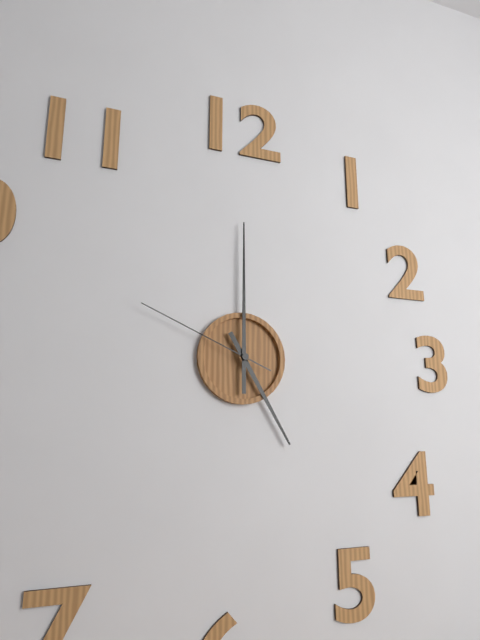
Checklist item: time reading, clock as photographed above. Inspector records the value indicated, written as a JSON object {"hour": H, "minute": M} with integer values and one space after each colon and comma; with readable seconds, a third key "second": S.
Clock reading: {"hour": 5, "minute": 0, "second": 49}
